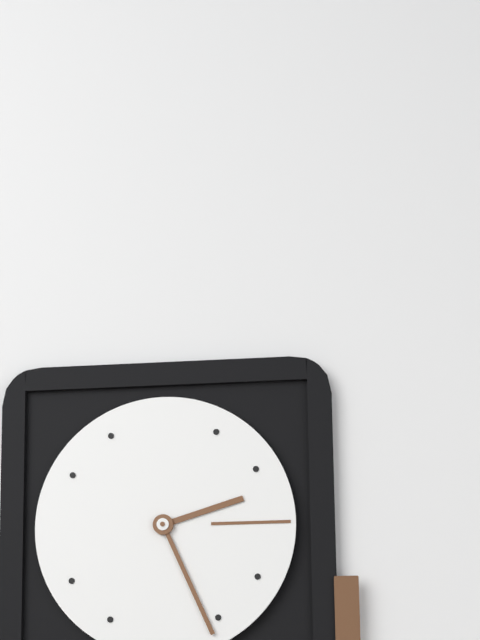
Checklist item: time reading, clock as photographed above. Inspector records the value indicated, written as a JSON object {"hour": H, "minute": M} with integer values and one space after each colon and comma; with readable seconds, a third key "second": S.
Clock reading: {"hour": 2, "minute": 26}
